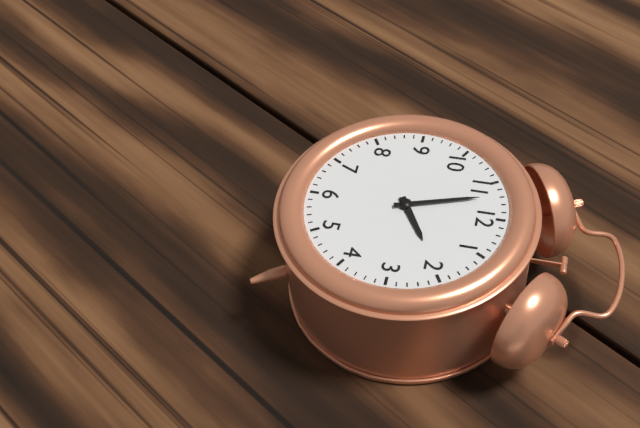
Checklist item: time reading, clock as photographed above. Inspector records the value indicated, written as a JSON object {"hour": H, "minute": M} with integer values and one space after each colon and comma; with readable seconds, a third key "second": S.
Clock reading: {"hour": 1, "minute": 57}
